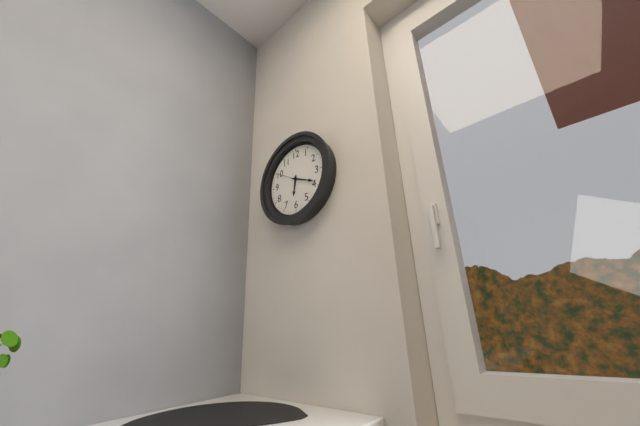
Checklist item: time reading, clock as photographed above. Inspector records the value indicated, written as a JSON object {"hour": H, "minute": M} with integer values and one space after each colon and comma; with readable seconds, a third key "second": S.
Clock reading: {"hour": 6, "minute": 19}
